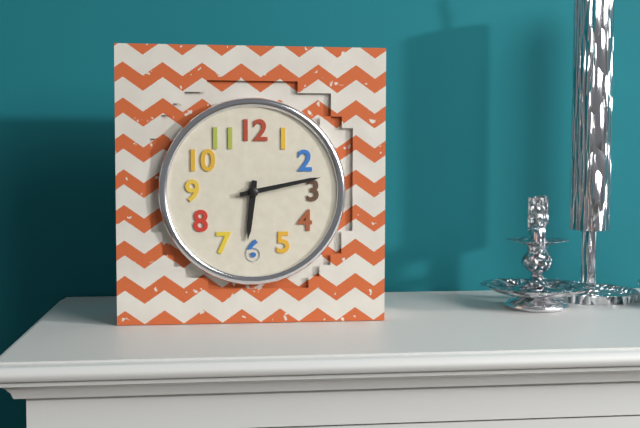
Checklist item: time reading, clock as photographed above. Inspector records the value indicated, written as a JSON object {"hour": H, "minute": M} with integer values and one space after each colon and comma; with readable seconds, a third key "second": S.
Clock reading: {"hour": 6, "minute": 13}
